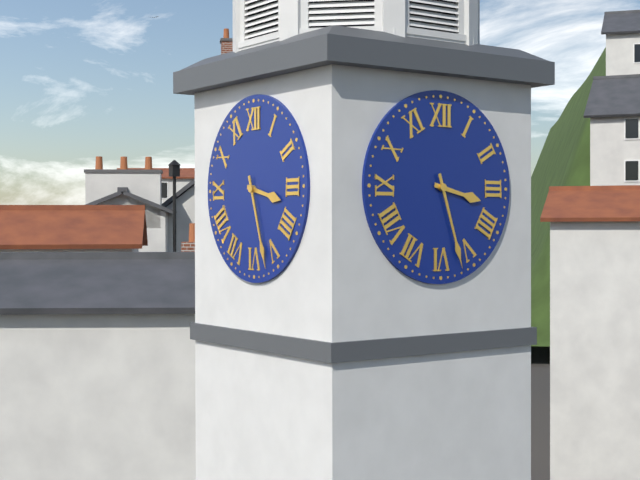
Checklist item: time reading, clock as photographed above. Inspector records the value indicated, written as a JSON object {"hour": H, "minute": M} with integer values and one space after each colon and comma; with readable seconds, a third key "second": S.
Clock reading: {"hour": 3, "minute": 27}
